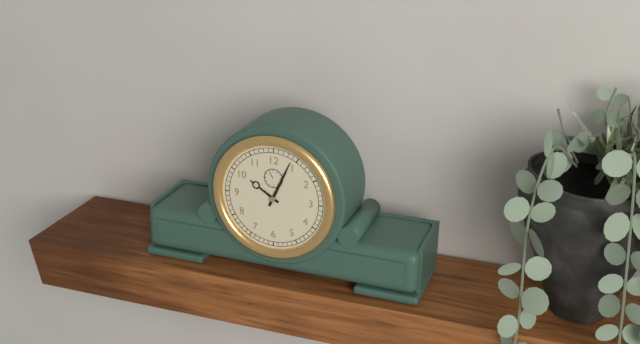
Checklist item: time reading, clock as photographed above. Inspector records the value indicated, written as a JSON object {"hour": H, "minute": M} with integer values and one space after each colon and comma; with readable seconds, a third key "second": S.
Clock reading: {"hour": 10, "minute": 4}
